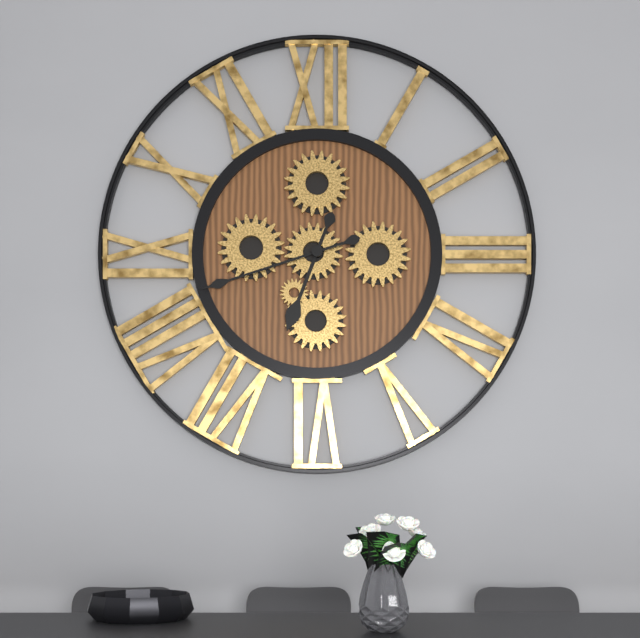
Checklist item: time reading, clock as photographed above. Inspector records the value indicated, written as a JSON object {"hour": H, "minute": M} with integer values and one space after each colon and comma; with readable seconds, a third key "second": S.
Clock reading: {"hour": 6, "minute": 42}
